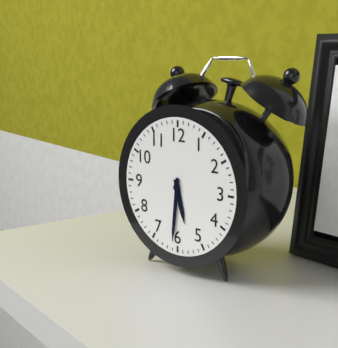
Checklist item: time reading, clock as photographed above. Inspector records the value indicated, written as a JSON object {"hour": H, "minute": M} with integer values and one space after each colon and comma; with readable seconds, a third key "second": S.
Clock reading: {"hour": 5, "minute": 31}
